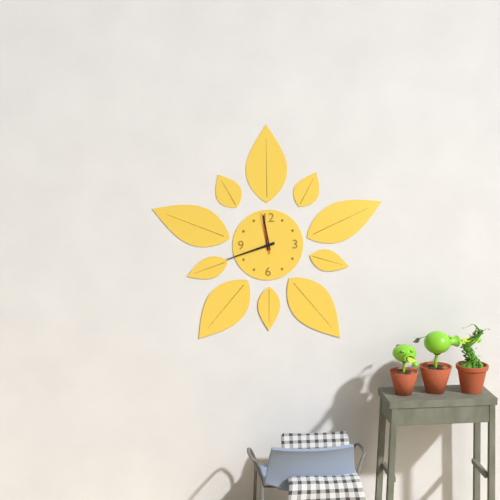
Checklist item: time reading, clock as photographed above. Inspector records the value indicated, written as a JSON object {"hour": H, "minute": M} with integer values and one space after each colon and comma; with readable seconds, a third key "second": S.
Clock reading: {"hour": 11, "minute": 42}
